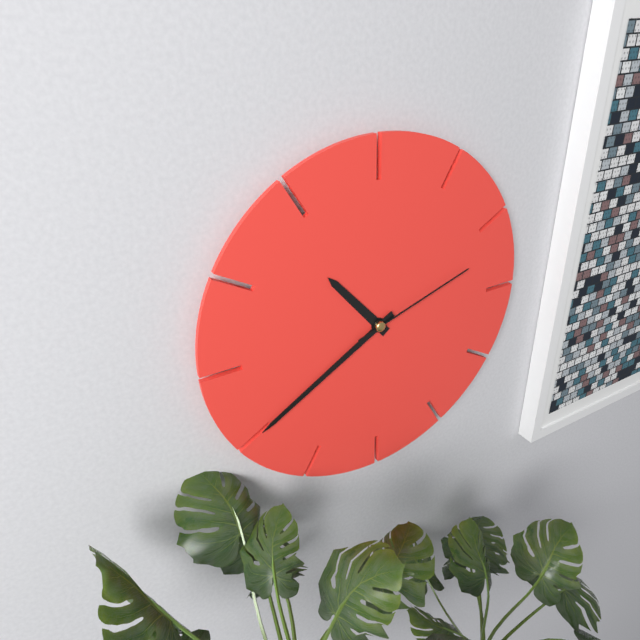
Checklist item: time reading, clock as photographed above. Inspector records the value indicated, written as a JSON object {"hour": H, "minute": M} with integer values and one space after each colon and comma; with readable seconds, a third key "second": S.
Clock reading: {"hour": 10, "minute": 40, "second": 12}
